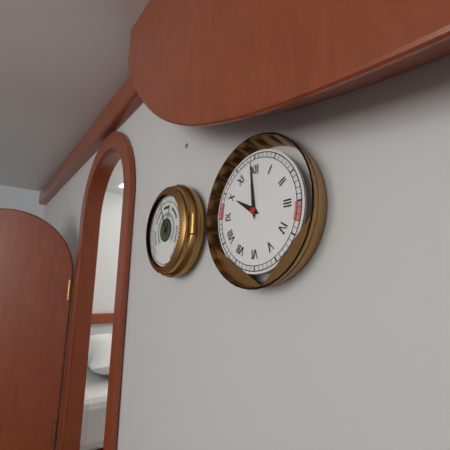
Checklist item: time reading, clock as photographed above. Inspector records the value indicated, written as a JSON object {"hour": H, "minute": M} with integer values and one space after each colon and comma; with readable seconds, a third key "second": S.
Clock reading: {"hour": 9, "minute": 59}
